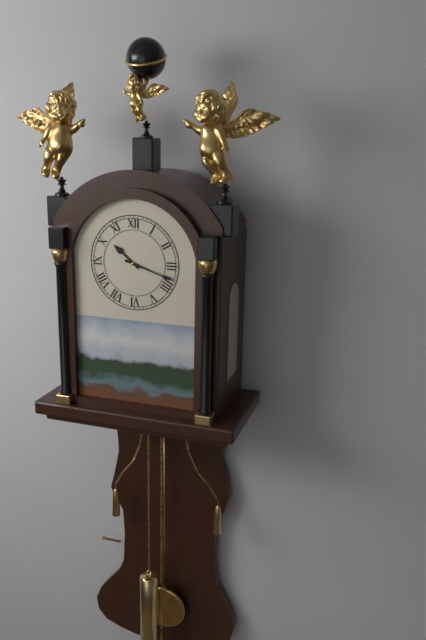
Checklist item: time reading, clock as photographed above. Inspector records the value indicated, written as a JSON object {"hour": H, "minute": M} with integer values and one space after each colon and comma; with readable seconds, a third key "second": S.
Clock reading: {"hour": 10, "minute": 18}
